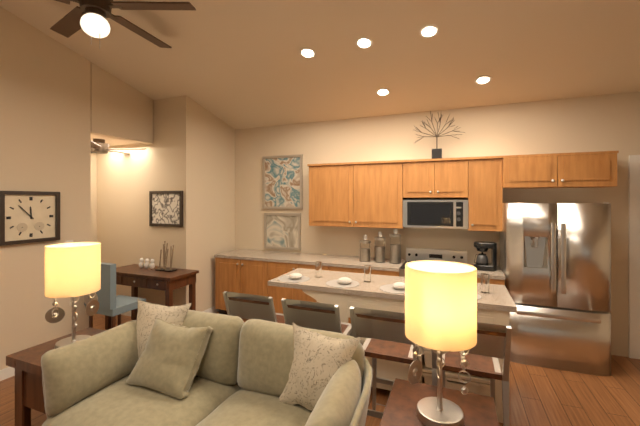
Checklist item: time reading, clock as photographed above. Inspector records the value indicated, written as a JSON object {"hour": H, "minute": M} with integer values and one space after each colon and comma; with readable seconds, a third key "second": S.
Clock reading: {"hour": 11, "minute": 53}
